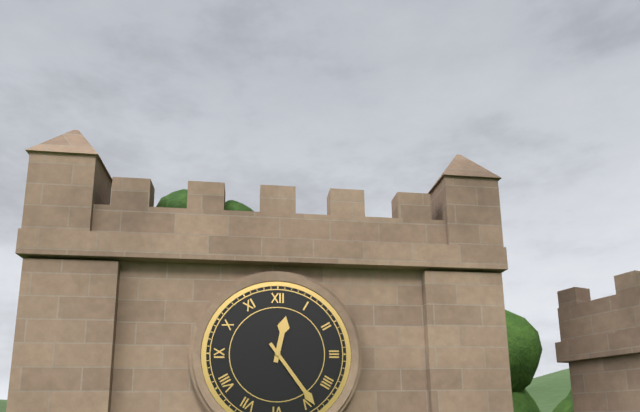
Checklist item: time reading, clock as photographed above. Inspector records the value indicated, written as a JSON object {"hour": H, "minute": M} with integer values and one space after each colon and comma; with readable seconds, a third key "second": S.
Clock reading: {"hour": 12, "minute": 24}
